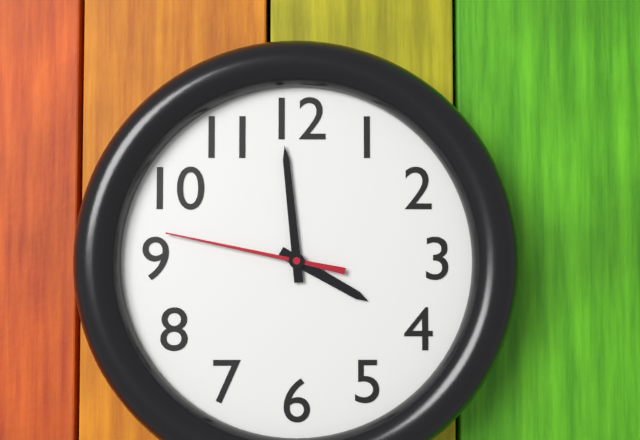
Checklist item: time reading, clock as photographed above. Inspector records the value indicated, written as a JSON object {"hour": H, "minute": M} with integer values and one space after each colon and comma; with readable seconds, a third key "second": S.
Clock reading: {"hour": 3, "minute": 59, "second": 47}
